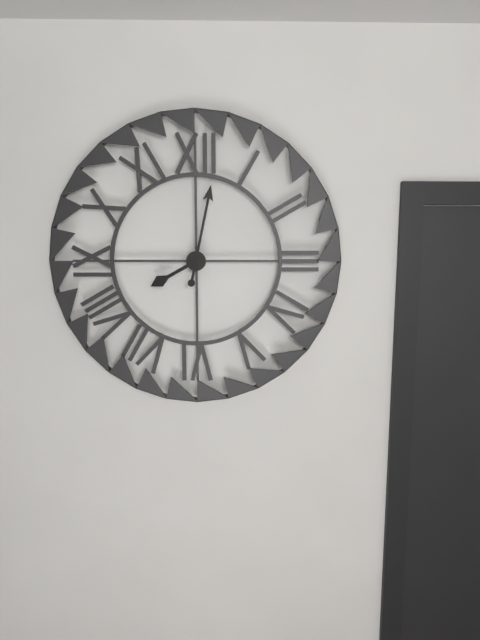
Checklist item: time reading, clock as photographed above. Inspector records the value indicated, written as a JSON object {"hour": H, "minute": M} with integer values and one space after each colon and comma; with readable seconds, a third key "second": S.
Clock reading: {"hour": 8, "minute": 2}
